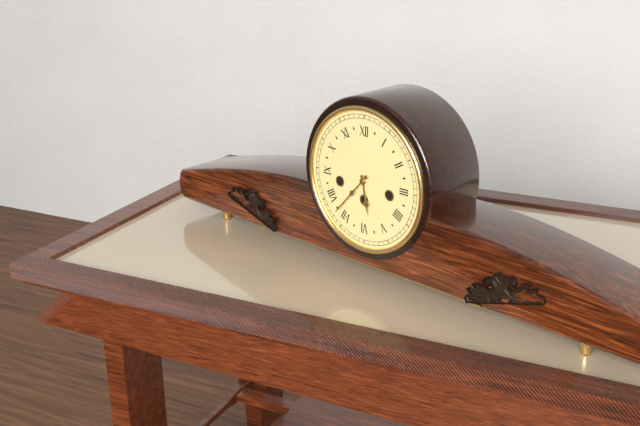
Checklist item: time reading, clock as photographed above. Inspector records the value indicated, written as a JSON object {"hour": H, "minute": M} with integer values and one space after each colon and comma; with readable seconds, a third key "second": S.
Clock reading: {"hour": 5, "minute": 37}
